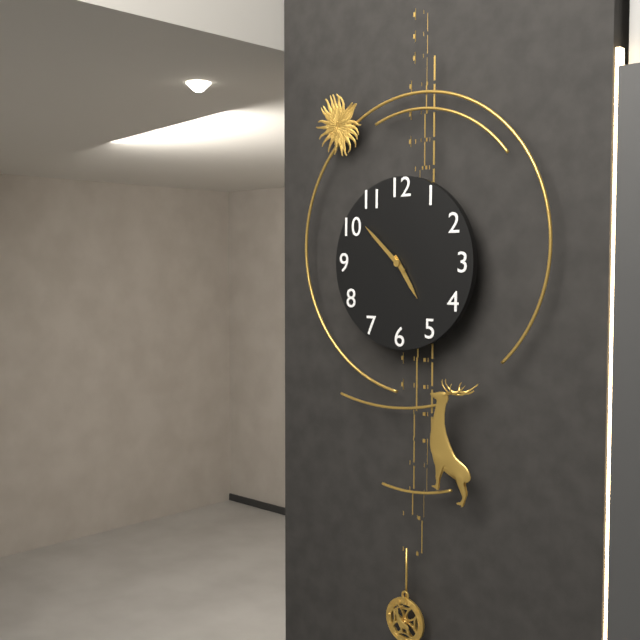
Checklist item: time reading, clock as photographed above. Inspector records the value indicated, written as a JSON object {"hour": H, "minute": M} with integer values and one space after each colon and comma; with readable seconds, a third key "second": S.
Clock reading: {"hour": 4, "minute": 52}
